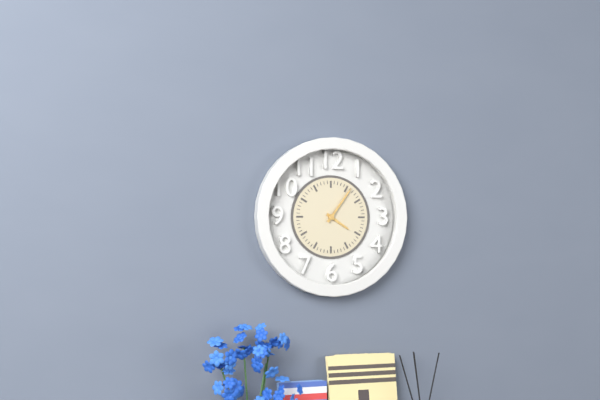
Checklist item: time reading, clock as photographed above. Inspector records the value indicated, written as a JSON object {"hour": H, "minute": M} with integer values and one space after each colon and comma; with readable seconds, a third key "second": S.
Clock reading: {"hour": 4, "minute": 6}
